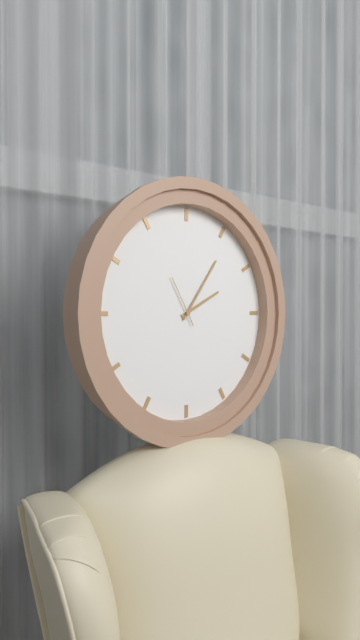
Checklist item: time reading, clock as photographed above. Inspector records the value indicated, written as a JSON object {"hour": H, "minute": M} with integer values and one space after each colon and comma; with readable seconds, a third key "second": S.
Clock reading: {"hour": 2, "minute": 6}
